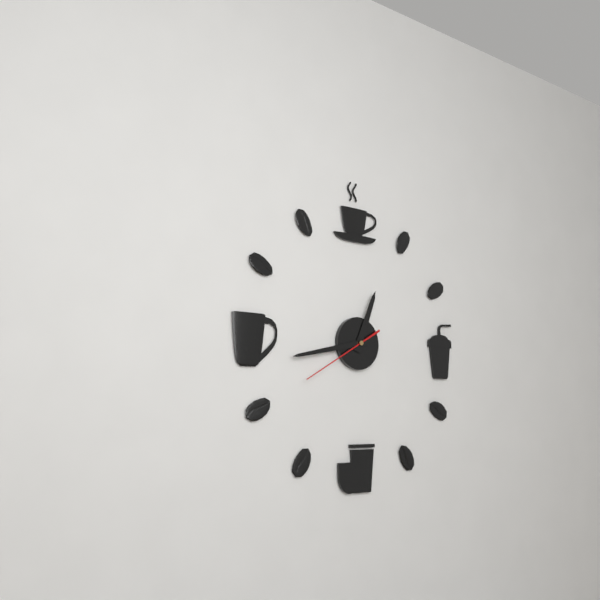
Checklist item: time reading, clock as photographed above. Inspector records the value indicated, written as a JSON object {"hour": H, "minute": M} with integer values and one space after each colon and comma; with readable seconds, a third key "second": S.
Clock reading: {"hour": 12, "minute": 43, "second": 40}
